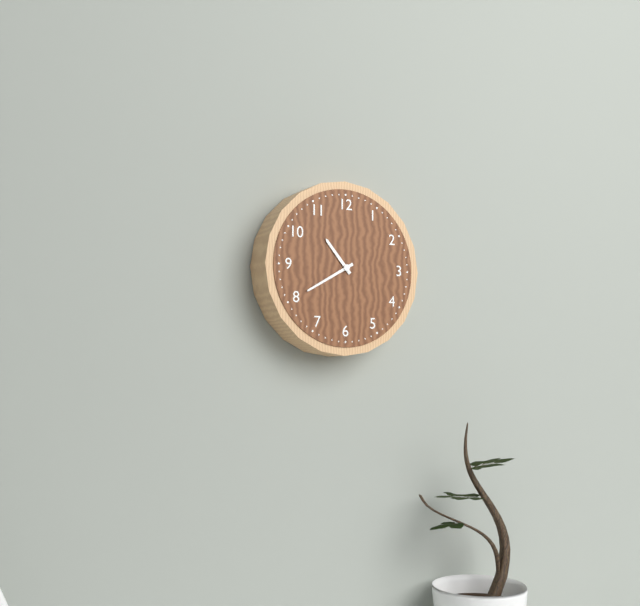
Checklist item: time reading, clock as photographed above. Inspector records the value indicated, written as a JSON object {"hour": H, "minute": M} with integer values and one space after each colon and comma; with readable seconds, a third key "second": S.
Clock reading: {"hour": 10, "minute": 40}
